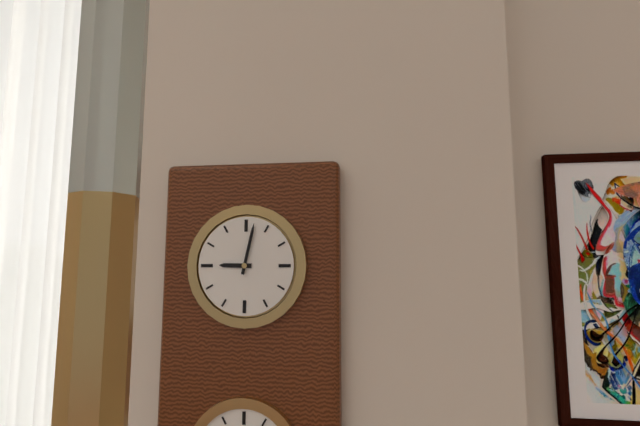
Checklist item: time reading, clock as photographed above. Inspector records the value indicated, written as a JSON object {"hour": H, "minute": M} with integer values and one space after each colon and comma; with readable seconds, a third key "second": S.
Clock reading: {"hour": 9, "minute": 2}
